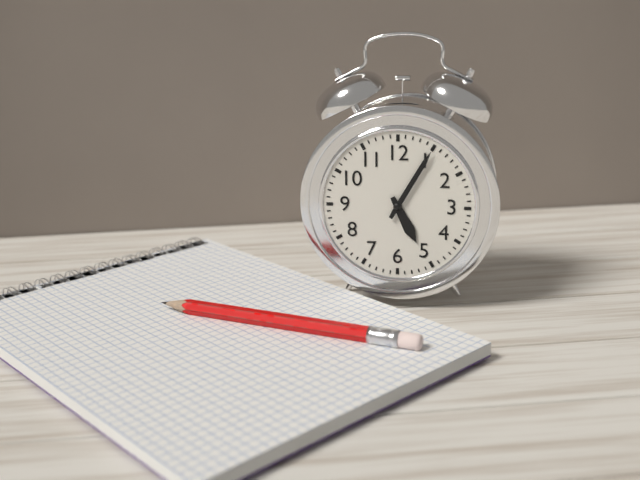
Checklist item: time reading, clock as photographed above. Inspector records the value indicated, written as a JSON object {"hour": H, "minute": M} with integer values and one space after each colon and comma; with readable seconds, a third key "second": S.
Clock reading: {"hour": 5, "minute": 5}
